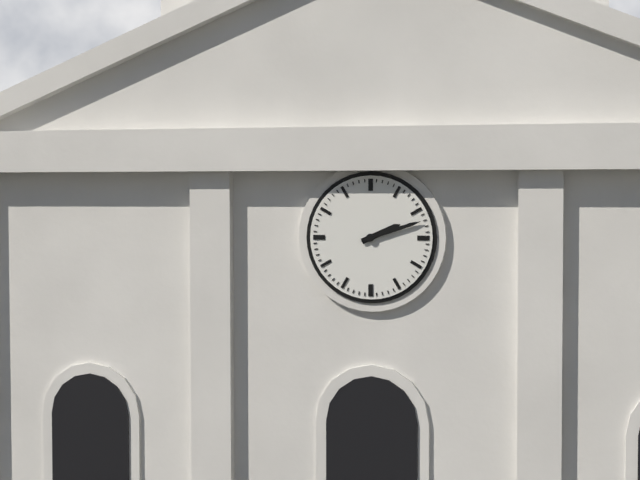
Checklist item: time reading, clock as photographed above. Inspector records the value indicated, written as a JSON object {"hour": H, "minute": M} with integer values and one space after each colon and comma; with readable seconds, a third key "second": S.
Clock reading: {"hour": 2, "minute": 12}
